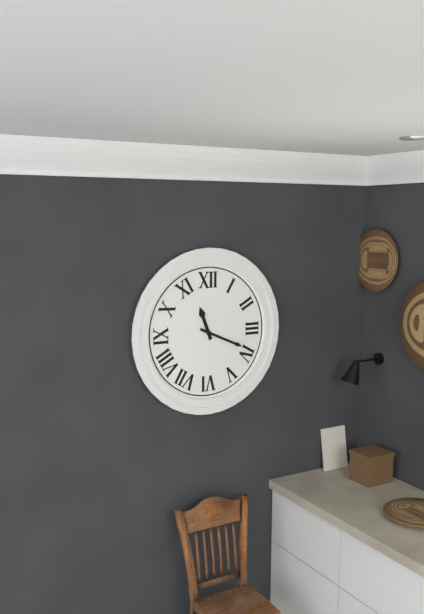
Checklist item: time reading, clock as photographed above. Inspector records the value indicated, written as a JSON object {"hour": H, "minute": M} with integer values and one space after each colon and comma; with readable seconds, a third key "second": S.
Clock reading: {"hour": 11, "minute": 19}
